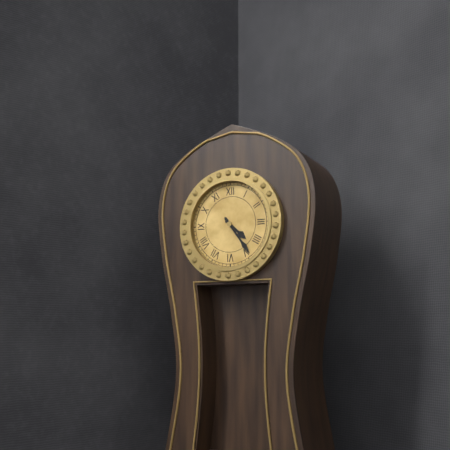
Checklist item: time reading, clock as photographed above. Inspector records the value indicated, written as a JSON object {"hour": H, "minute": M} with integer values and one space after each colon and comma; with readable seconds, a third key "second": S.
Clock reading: {"hour": 4, "minute": 24}
